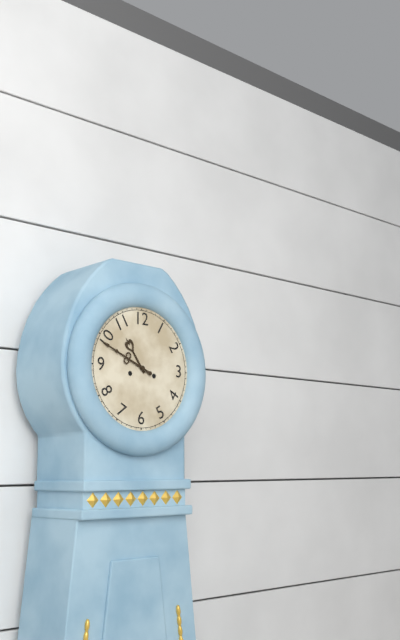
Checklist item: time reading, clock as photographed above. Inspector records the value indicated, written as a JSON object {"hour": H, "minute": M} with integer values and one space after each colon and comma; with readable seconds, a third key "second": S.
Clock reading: {"hour": 10, "minute": 49}
